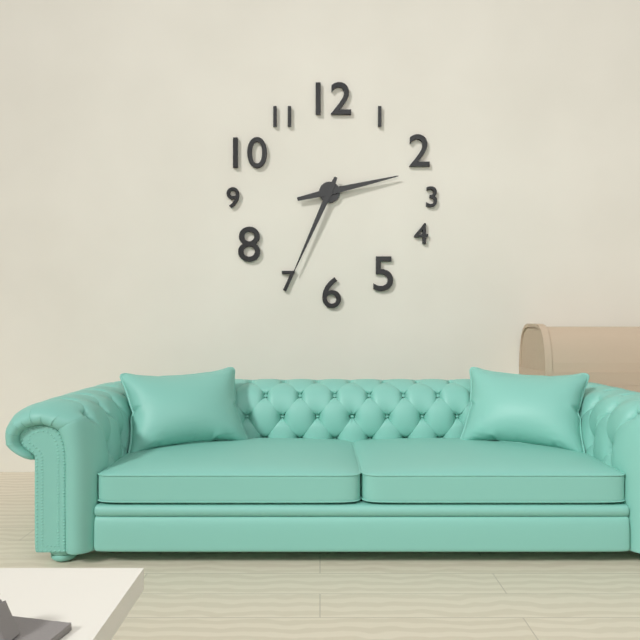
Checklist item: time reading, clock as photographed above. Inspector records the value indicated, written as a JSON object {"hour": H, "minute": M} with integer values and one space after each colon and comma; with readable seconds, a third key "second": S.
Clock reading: {"hour": 2, "minute": 34}
